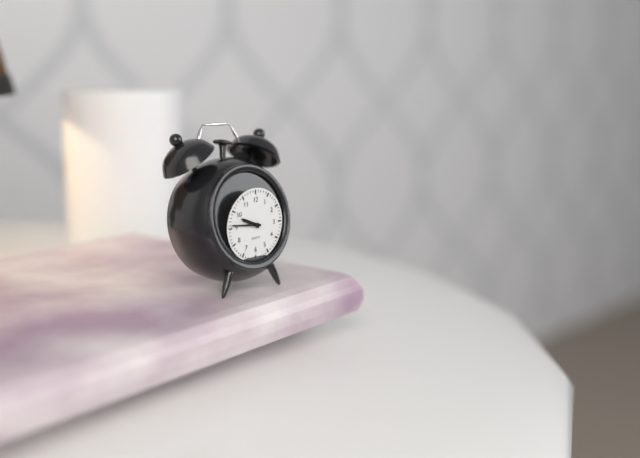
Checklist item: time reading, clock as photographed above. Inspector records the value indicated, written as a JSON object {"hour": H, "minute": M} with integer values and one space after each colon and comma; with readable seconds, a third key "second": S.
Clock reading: {"hour": 9, "minute": 46}
